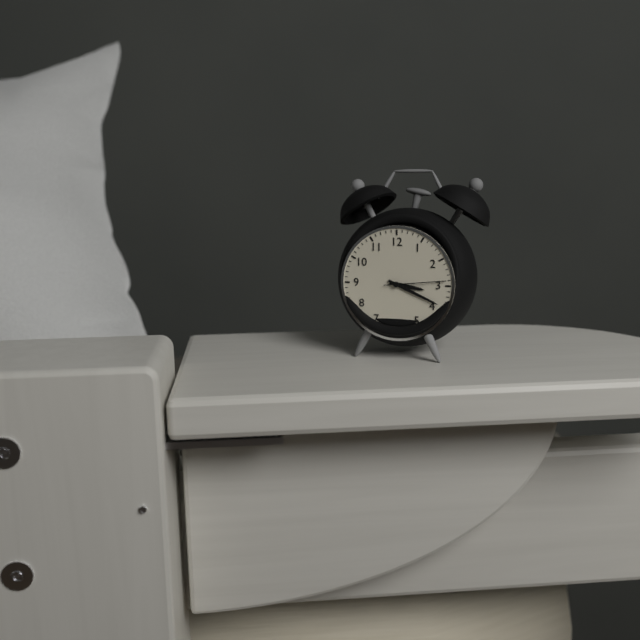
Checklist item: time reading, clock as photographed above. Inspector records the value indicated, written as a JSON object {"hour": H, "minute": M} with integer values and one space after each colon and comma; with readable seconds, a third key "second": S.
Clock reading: {"hour": 3, "minute": 19, "second": 14}
